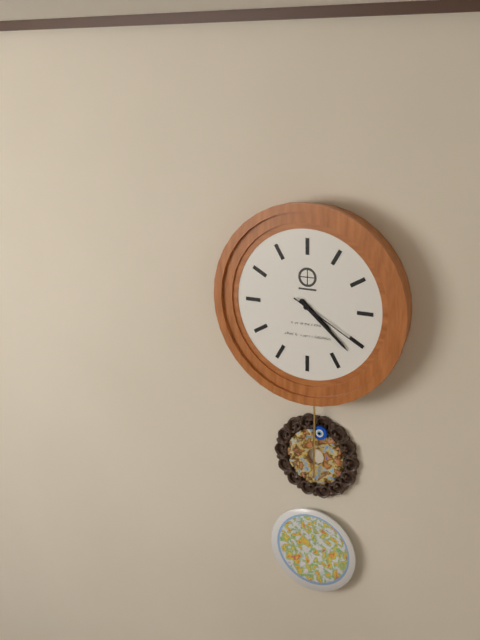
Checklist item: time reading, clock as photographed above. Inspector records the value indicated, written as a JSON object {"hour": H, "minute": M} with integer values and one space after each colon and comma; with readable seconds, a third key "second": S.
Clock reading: {"hour": 4, "minute": 22, "second": 20}
